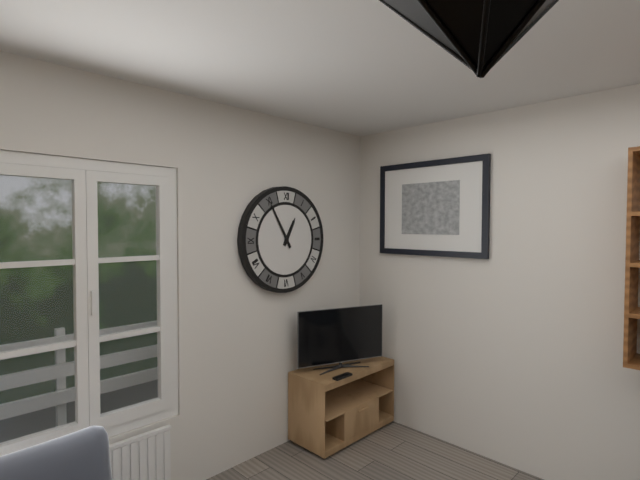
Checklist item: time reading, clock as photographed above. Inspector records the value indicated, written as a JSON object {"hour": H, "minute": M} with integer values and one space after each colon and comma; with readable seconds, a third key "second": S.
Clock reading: {"hour": 12, "minute": 55}
